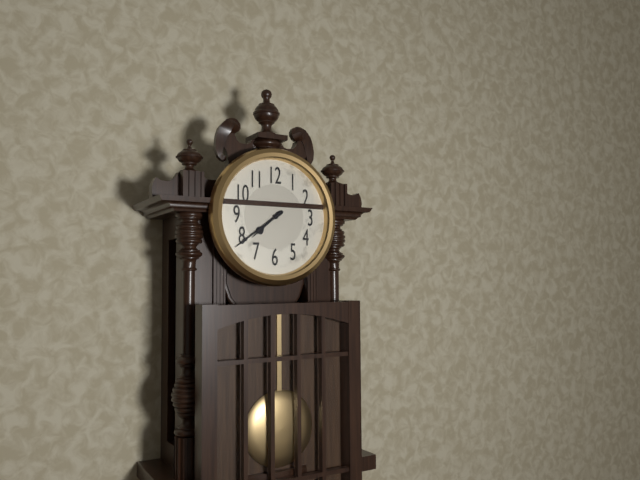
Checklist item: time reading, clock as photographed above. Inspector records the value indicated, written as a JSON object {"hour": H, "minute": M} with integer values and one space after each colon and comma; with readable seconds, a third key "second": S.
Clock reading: {"hour": 7, "minute": 39}
